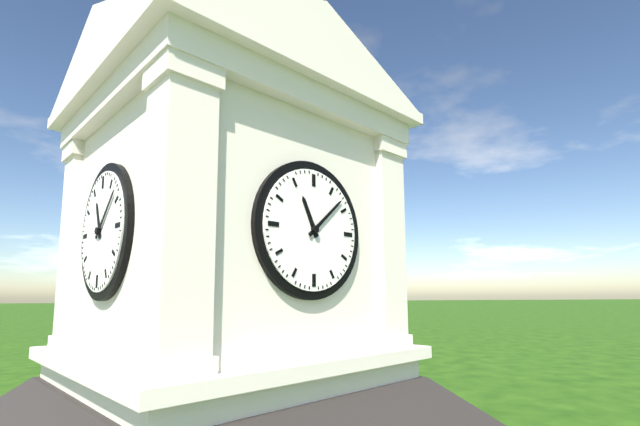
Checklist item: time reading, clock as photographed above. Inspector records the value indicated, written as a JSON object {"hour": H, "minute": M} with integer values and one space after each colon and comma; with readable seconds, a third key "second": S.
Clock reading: {"hour": 11, "minute": 8}
